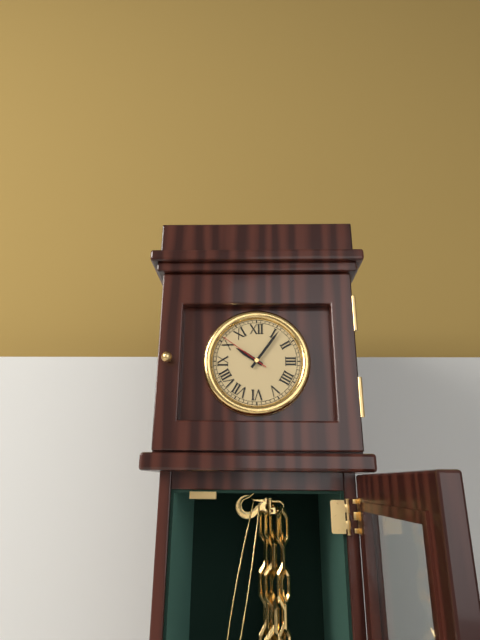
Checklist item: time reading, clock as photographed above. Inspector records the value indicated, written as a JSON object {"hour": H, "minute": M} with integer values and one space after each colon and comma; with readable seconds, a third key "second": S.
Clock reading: {"hour": 10, "minute": 6, "second": 51}
